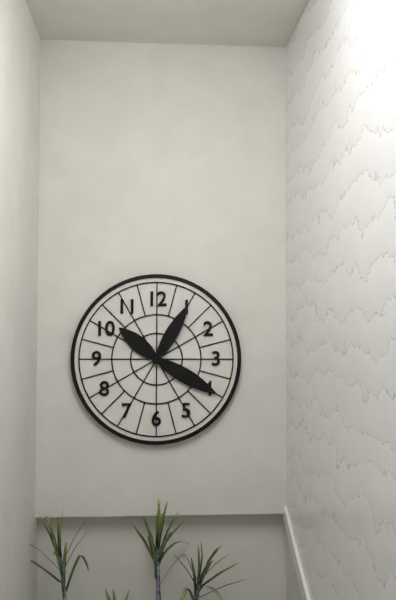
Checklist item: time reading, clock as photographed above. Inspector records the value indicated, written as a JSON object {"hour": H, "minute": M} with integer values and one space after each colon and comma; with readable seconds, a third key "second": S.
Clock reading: {"hour": 10, "minute": 20, "second": 5}
